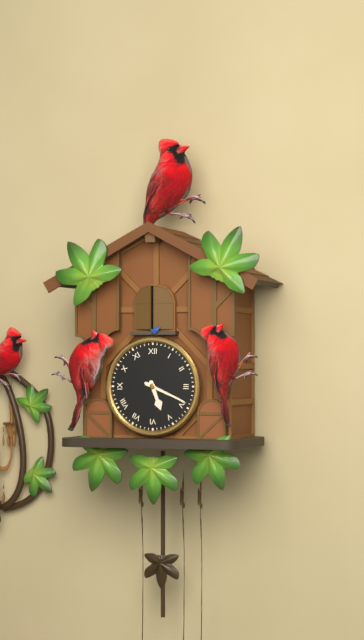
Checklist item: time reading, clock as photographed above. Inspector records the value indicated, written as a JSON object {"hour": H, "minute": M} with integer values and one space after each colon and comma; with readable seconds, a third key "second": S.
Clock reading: {"hour": 5, "minute": 19}
